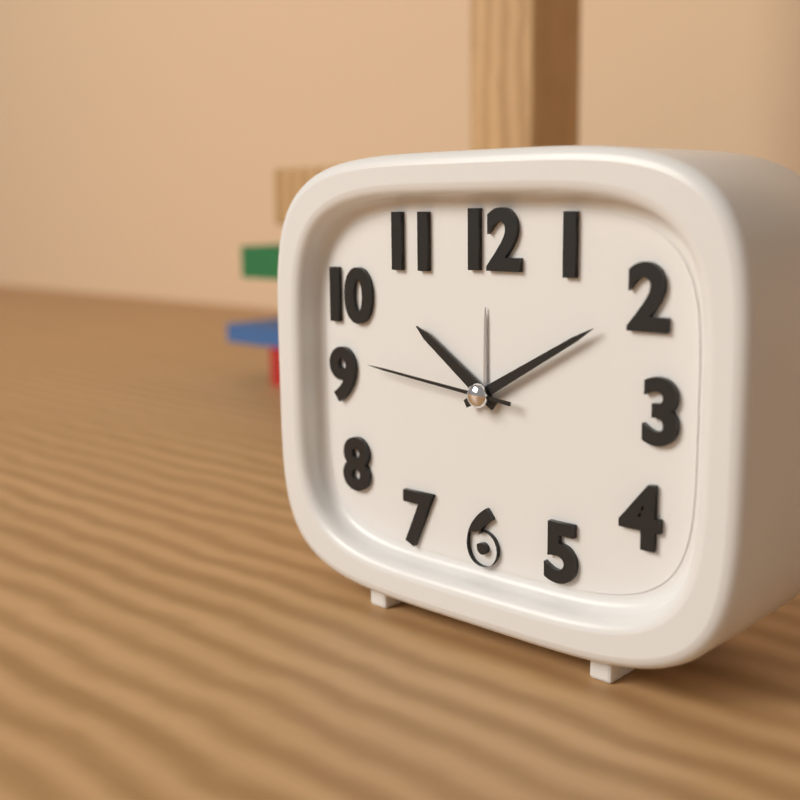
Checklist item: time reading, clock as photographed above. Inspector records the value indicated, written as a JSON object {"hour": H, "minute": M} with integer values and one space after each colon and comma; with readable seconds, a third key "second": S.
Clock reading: {"hour": 10, "minute": 10, "second": 46}
